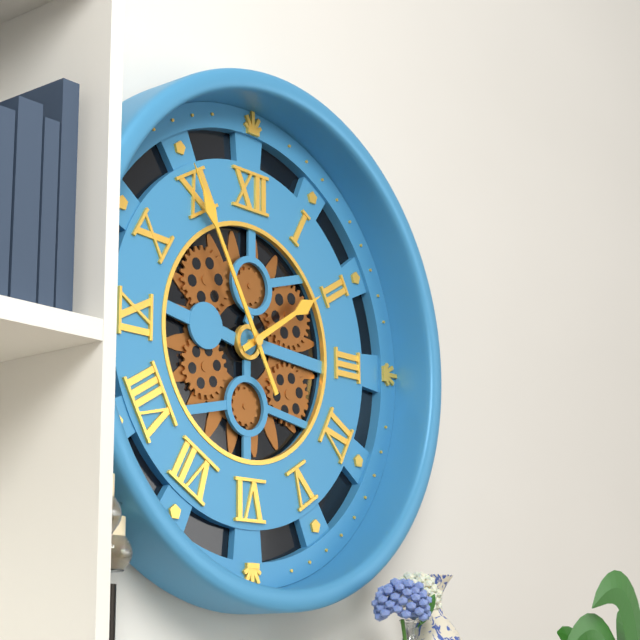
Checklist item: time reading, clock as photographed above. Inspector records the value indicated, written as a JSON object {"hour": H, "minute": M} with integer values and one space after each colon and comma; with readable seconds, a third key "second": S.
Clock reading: {"hour": 1, "minute": 55}
